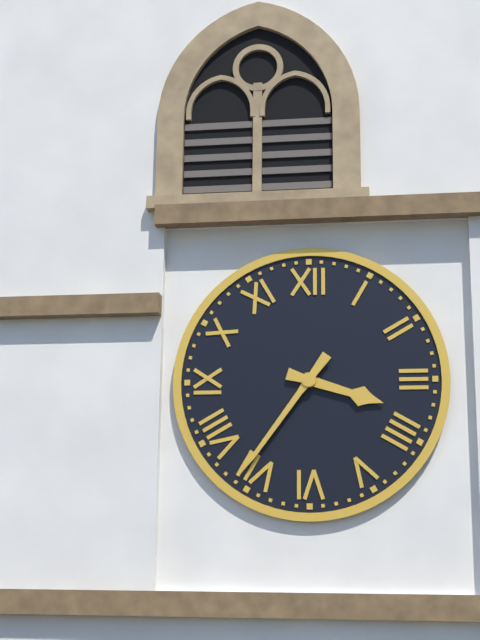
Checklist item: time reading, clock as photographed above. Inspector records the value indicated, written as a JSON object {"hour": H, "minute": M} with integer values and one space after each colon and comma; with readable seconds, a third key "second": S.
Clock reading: {"hour": 3, "minute": 36}
